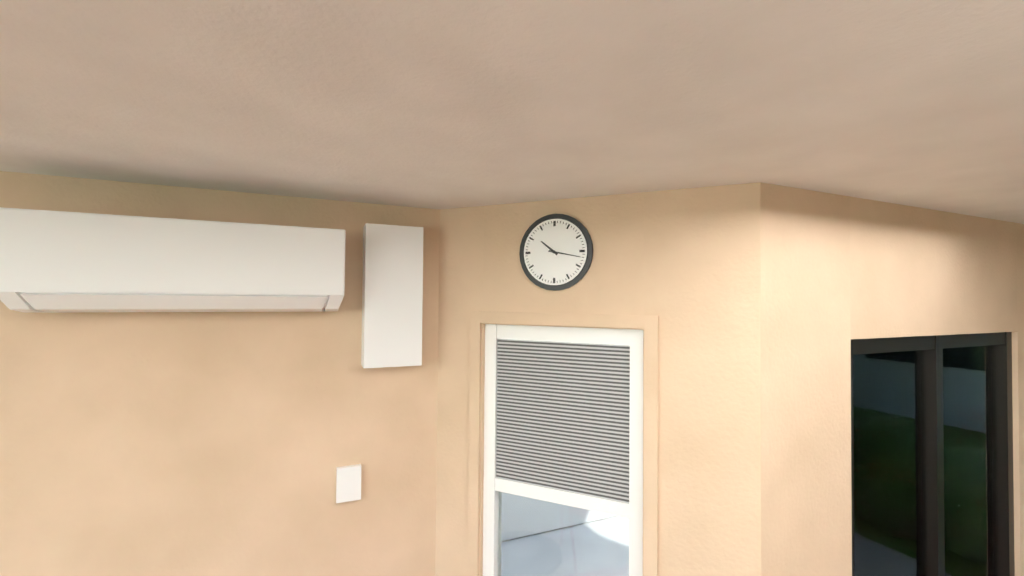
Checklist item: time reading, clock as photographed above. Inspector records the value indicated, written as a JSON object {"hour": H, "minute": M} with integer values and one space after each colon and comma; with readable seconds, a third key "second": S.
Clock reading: {"hour": 10, "minute": 17}
